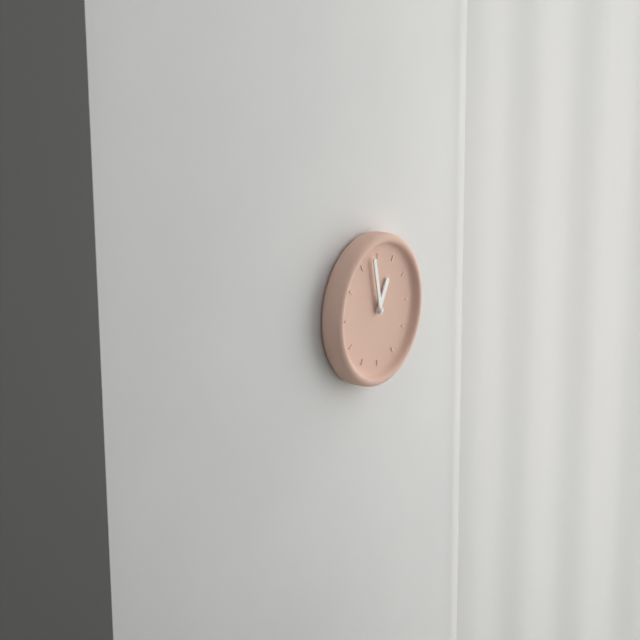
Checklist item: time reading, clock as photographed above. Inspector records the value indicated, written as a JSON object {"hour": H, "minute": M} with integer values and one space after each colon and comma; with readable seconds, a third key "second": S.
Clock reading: {"hour": 12, "minute": 58}
